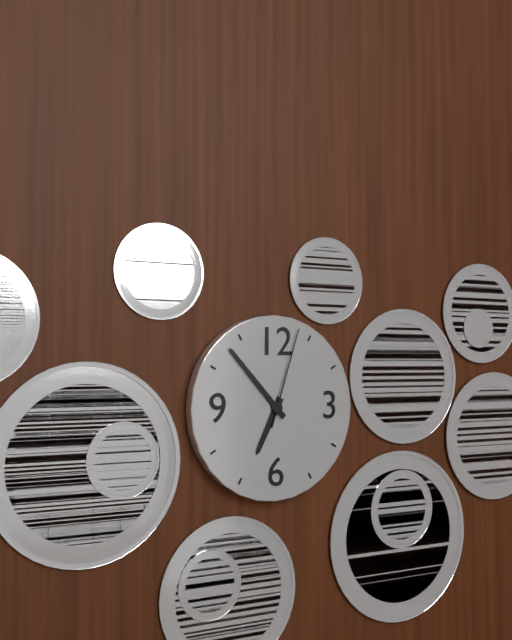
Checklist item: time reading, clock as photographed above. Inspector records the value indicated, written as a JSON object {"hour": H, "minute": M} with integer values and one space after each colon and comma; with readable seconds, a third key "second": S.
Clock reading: {"hour": 6, "minute": 53, "second": 3}
